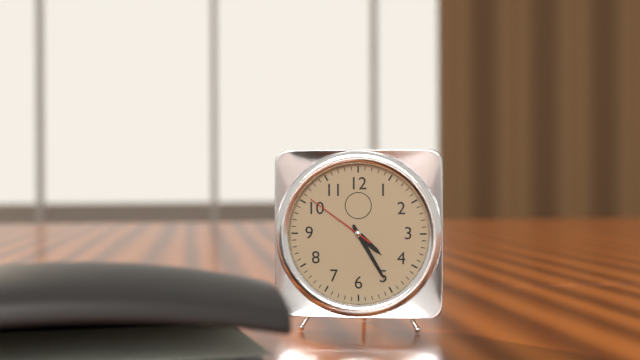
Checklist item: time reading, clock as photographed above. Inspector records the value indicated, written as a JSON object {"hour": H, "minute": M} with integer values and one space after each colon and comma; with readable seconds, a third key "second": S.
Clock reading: {"hour": 4, "minute": 25, "second": 51}
